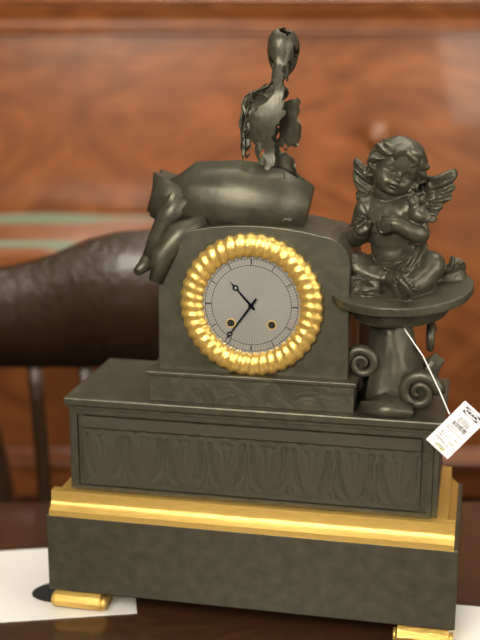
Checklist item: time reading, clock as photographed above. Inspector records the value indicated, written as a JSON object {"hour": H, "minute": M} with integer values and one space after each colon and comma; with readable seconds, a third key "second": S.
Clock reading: {"hour": 10, "minute": 36}
